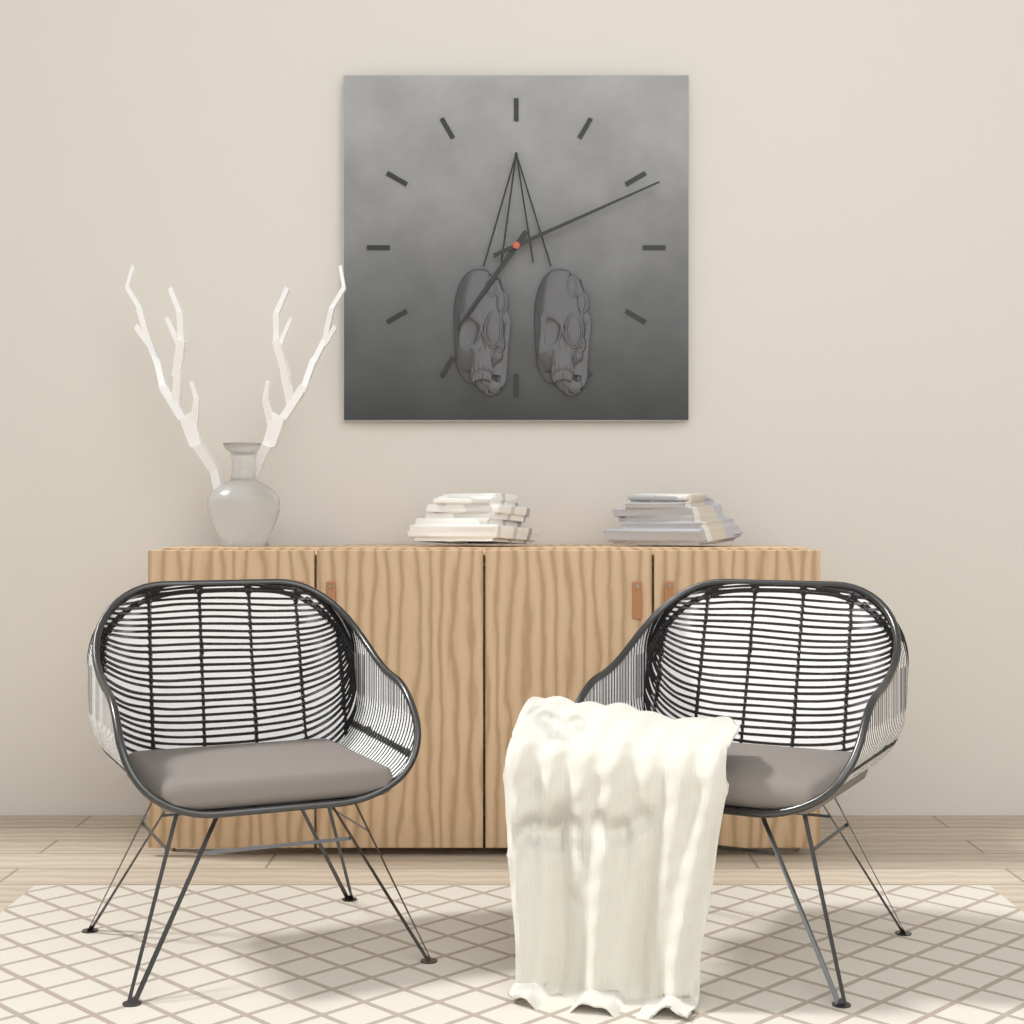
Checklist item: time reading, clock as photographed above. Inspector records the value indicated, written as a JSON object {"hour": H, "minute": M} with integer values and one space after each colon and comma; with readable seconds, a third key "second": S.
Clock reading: {"hour": 7, "minute": 11}
